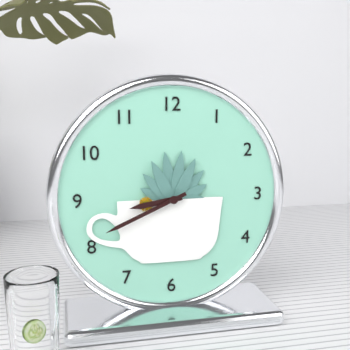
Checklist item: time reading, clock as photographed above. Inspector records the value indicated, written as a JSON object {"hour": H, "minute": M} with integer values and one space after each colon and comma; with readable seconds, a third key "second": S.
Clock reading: {"hour": 8, "minute": 41}
